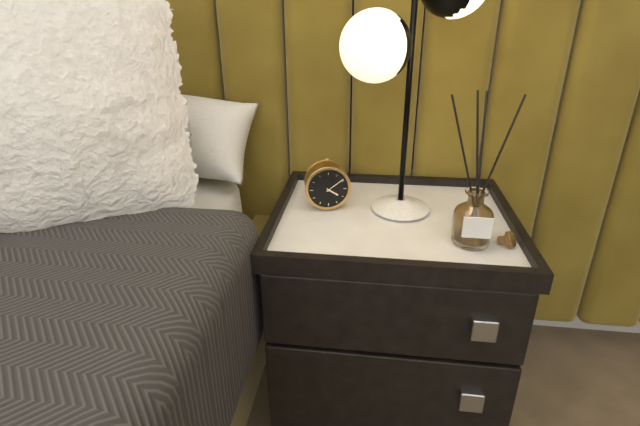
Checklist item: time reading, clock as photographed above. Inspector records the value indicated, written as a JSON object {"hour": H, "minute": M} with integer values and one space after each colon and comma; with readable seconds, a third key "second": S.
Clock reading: {"hour": 4, "minute": 9}
